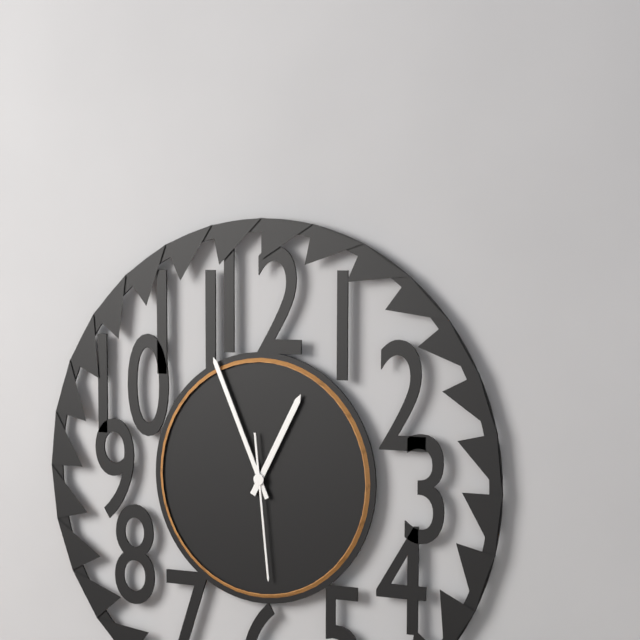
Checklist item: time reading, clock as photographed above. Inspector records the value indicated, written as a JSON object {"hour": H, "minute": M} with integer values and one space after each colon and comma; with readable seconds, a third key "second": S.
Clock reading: {"hour": 12, "minute": 56, "second": 29}
